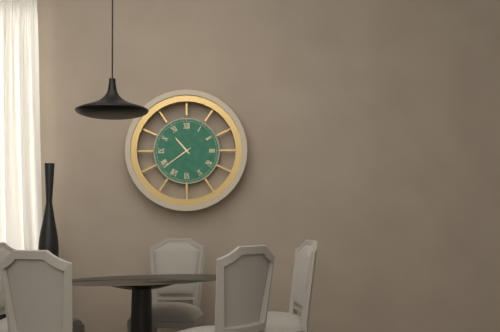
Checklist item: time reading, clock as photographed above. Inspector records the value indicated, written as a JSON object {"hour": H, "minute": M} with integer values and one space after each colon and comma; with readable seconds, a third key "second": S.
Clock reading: {"hour": 10, "minute": 39}
